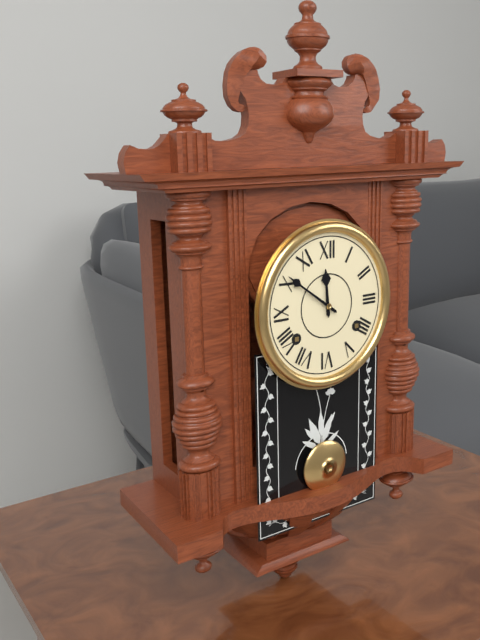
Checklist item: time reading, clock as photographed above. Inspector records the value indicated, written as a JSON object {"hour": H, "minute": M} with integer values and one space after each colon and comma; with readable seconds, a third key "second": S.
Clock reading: {"hour": 11, "minute": 51}
